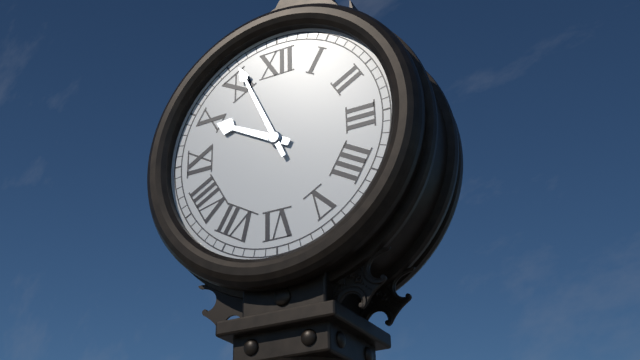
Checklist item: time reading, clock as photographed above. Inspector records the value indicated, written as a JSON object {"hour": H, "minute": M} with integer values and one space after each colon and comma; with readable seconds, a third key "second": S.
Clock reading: {"hour": 9, "minute": 56}
